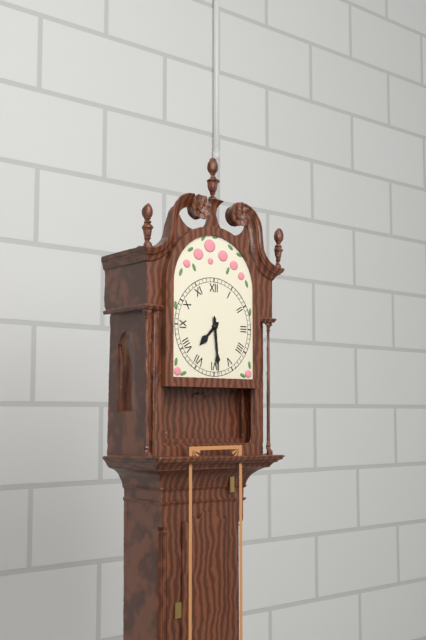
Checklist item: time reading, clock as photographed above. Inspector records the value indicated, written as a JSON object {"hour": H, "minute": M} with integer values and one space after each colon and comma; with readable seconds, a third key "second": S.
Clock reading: {"hour": 7, "minute": 29}
